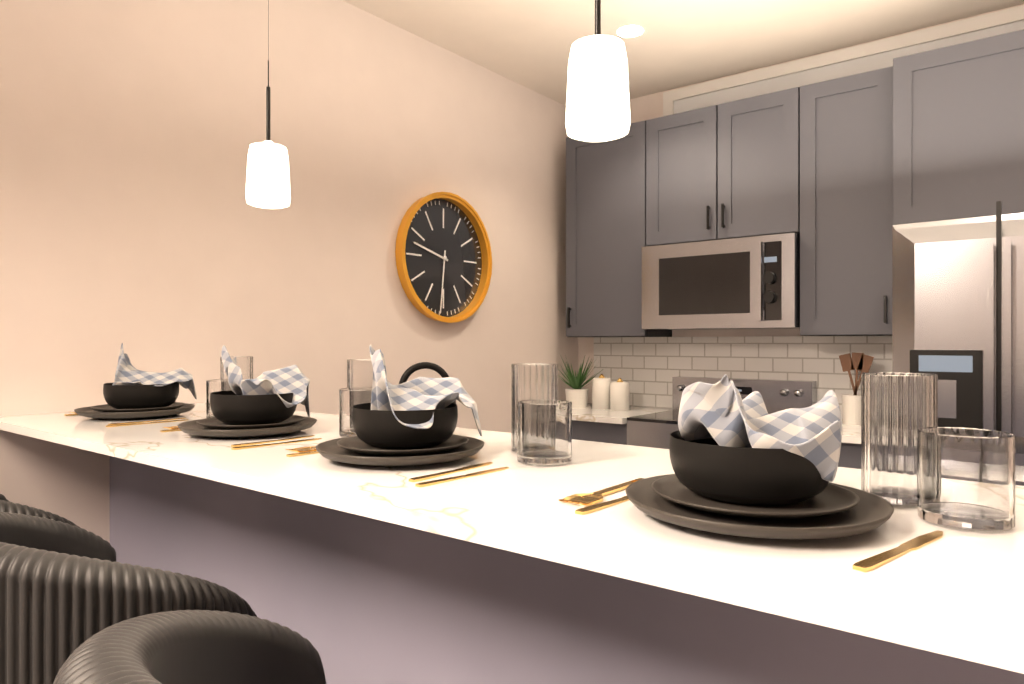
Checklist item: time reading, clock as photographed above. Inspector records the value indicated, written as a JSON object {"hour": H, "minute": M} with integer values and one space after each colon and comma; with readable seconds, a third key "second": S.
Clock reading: {"hour": 9, "minute": 31}
